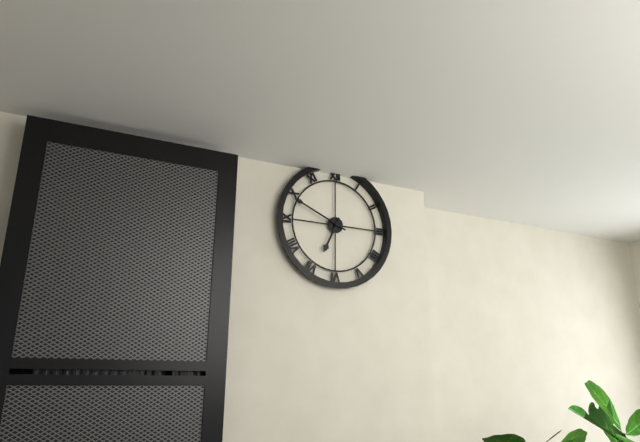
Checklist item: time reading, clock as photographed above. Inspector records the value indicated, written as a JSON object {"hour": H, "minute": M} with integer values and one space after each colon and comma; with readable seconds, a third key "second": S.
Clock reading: {"hour": 6, "minute": 49}
